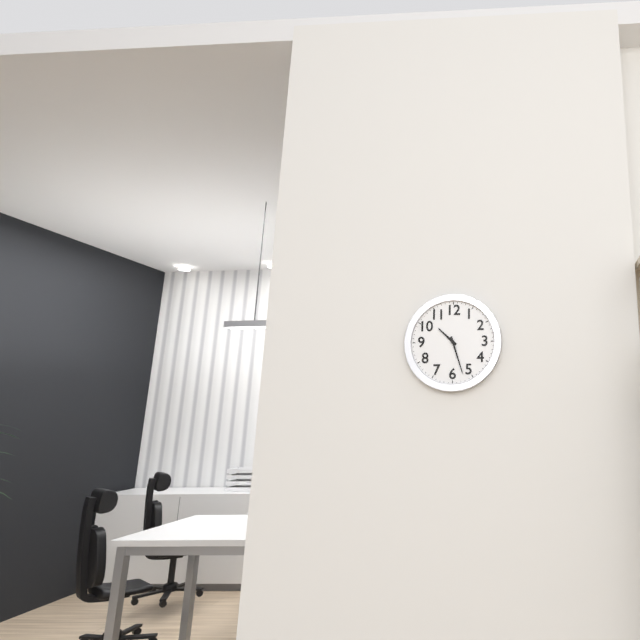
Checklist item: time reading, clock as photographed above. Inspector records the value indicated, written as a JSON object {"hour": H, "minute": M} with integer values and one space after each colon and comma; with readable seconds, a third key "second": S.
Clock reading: {"hour": 10, "minute": 27}
